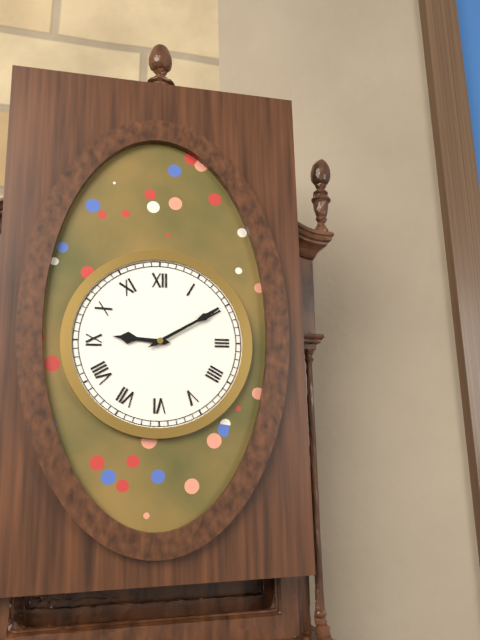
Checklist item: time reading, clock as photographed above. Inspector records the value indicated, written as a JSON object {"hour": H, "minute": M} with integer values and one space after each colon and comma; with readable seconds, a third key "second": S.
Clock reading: {"hour": 9, "minute": 10}
